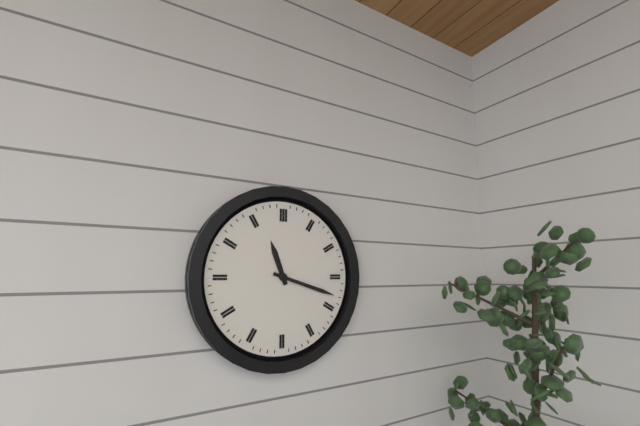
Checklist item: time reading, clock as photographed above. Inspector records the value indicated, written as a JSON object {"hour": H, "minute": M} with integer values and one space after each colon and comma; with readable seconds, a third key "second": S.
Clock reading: {"hour": 11, "minute": 18}
